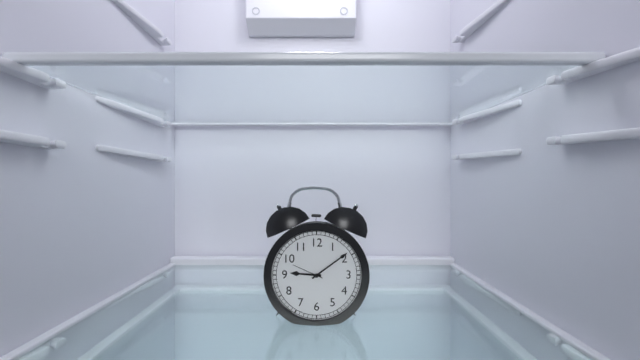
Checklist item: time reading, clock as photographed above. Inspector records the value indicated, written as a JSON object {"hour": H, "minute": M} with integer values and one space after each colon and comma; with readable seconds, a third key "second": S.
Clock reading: {"hour": 9, "minute": 9}
